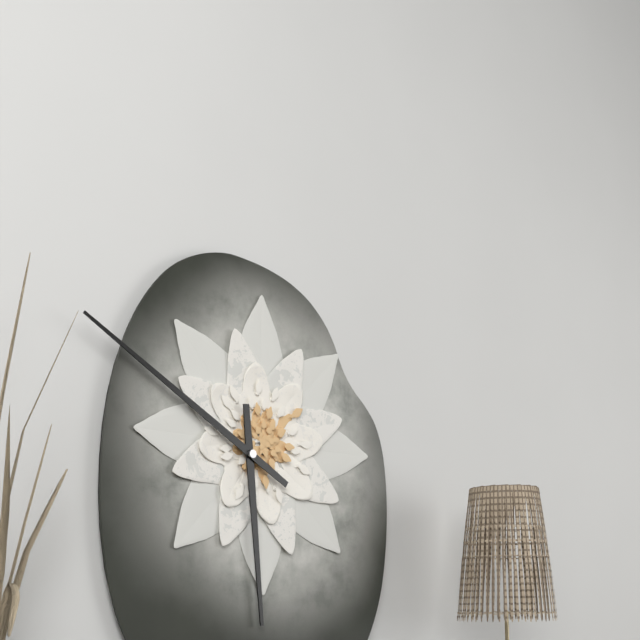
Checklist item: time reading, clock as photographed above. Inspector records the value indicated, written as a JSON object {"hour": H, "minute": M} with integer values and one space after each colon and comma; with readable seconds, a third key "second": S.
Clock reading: {"hour": 5, "minute": 50}
